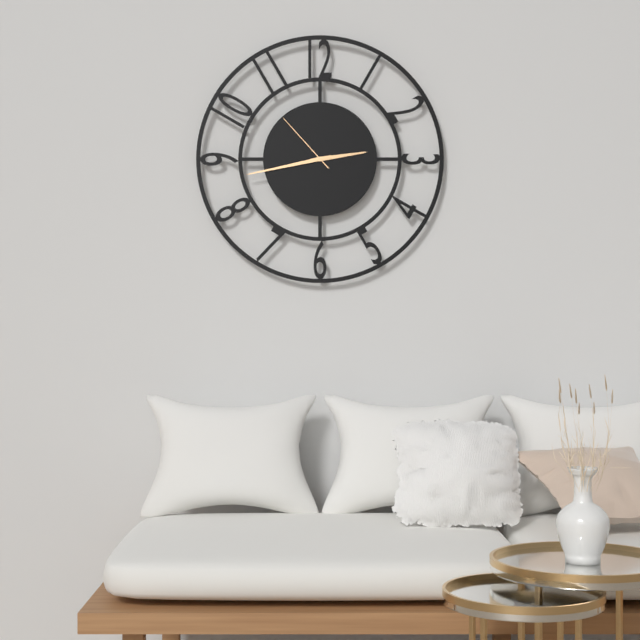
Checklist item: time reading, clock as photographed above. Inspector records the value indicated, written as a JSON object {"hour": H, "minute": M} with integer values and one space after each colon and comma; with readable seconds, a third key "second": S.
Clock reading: {"hour": 2, "minute": 43, "second": 53}
